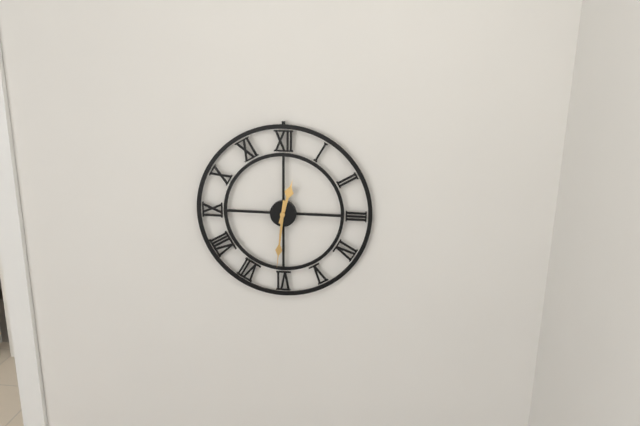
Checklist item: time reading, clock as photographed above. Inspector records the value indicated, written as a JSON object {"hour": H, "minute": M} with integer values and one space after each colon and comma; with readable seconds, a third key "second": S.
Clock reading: {"hour": 12, "minute": 31}
